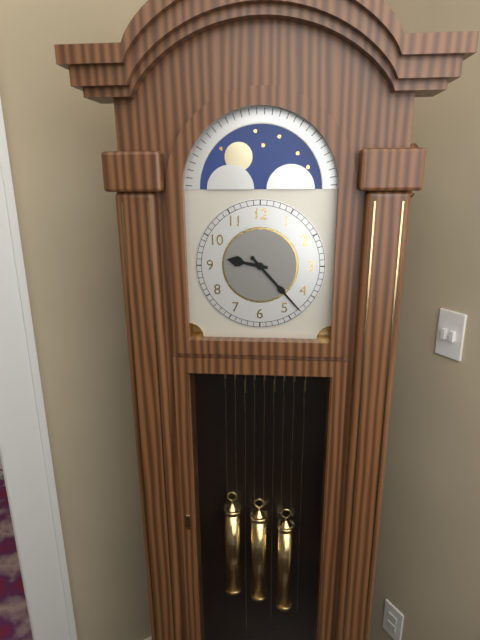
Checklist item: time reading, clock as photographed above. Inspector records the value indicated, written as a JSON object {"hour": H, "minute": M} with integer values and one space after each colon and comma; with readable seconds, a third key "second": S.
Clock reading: {"hour": 9, "minute": 23}
